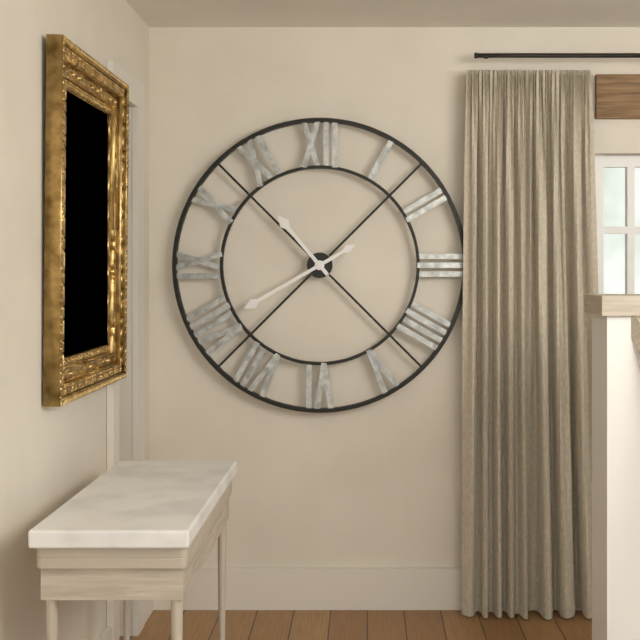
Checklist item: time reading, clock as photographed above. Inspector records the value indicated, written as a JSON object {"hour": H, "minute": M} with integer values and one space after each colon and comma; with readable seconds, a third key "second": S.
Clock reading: {"hour": 10, "minute": 40}
